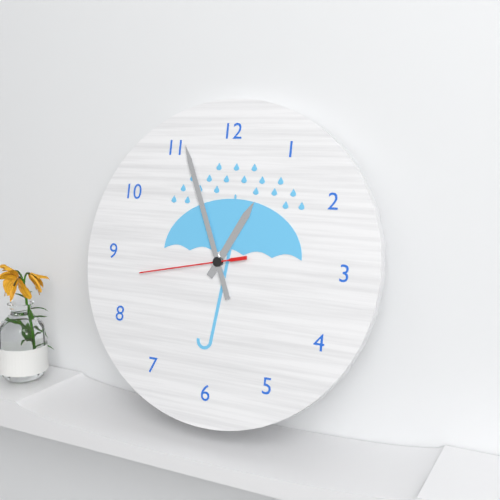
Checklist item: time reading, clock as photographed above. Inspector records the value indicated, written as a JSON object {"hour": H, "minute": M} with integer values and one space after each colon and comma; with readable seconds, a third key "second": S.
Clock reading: {"hour": 12, "minute": 56, "second": 43}
